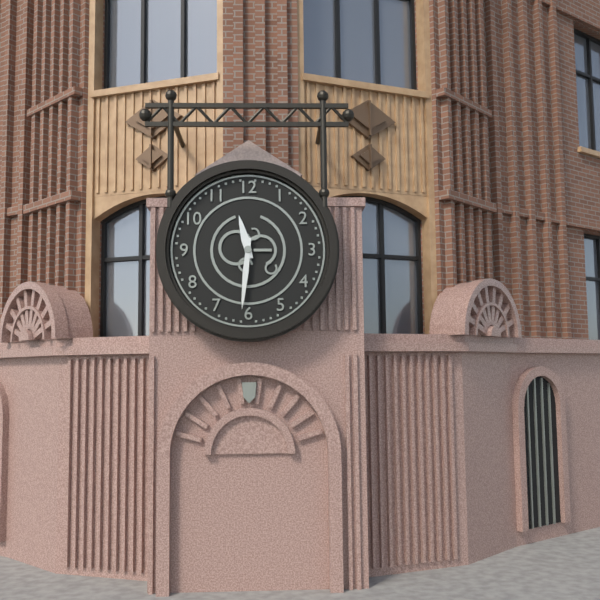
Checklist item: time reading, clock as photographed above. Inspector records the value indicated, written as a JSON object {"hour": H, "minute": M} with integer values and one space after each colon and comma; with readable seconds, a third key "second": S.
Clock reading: {"hour": 11, "minute": 31}
